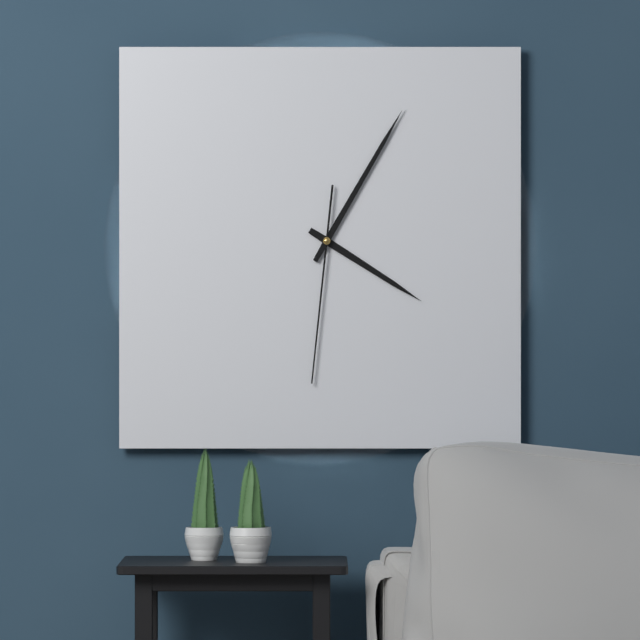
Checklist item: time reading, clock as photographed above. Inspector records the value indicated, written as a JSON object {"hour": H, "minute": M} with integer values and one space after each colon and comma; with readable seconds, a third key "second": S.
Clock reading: {"hour": 4, "minute": 5, "second": 31}
